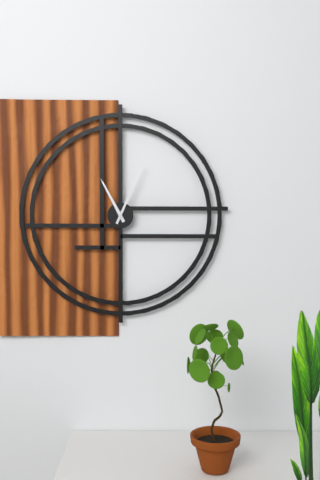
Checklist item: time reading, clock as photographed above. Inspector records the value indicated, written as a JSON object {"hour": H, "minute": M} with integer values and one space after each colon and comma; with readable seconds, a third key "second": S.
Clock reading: {"hour": 11, "minute": 4}
